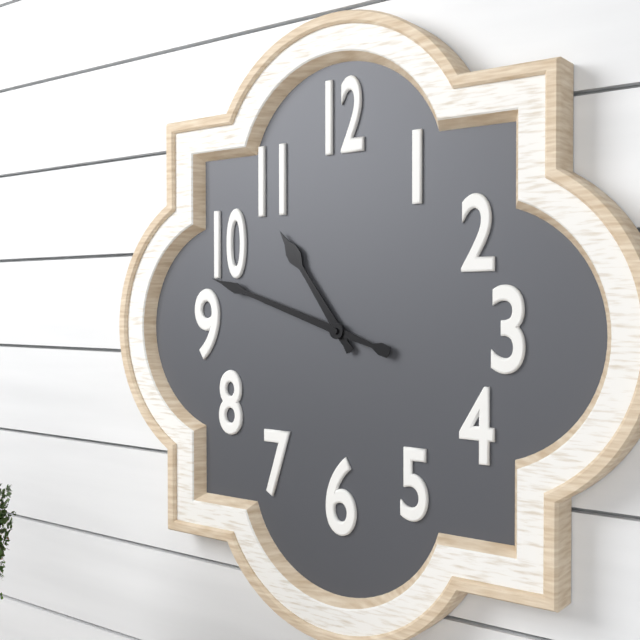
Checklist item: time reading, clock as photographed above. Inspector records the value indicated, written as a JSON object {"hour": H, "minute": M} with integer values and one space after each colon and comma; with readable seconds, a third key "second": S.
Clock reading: {"hour": 10, "minute": 48}
